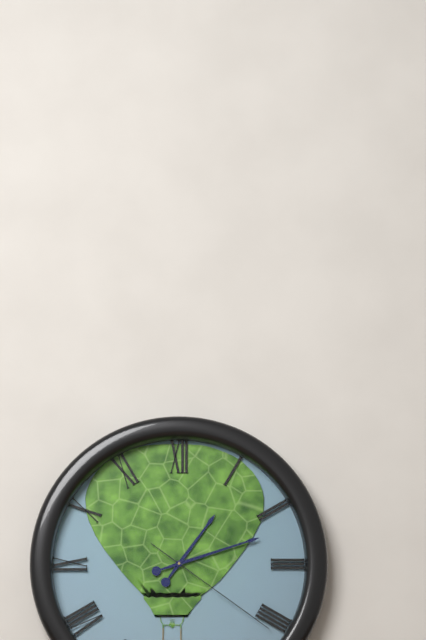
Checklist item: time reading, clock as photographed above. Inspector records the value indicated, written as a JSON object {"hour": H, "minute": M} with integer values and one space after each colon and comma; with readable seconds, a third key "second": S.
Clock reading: {"hour": 1, "minute": 12, "second": 21}
